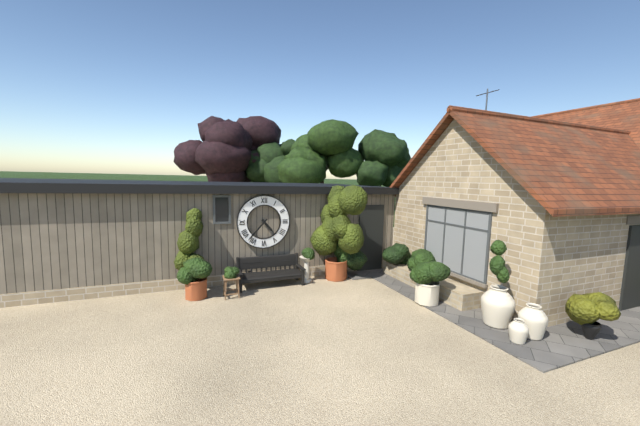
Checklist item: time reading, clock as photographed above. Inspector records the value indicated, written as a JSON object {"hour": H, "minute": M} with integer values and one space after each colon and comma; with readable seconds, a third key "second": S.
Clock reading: {"hour": 4, "minute": 37}
